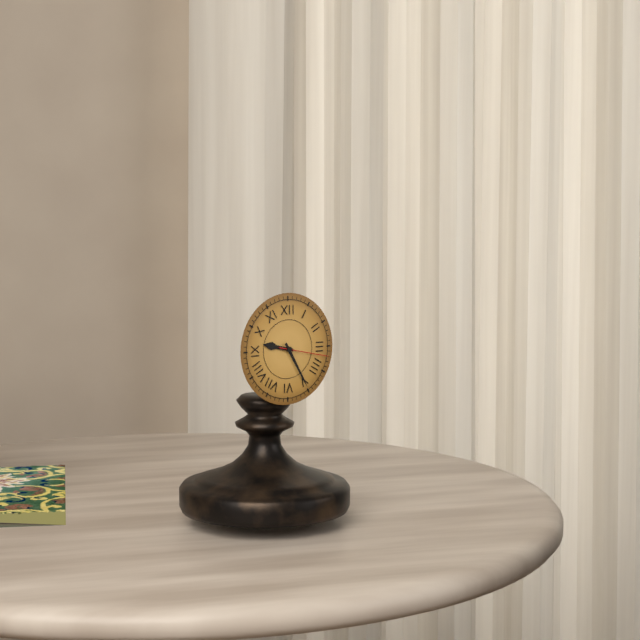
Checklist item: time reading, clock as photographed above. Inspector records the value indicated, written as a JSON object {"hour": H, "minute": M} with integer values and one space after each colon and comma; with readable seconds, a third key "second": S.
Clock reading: {"hour": 9, "minute": 25, "second": 17}
